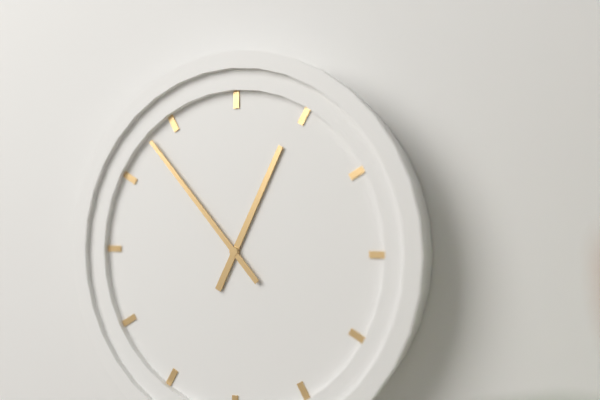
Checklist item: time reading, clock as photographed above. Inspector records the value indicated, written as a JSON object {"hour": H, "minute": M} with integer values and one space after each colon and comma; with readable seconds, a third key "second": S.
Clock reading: {"hour": 12, "minute": 53}
